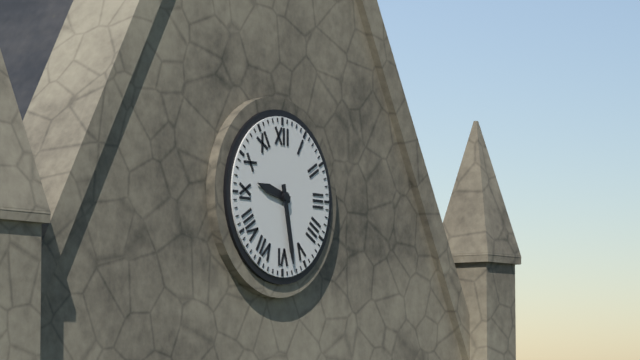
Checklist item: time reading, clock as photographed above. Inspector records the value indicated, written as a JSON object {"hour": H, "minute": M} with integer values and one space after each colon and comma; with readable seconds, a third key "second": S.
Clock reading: {"hour": 9, "minute": 28}
